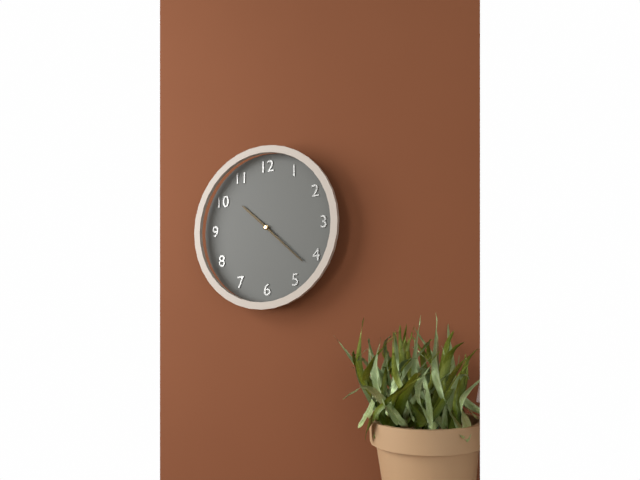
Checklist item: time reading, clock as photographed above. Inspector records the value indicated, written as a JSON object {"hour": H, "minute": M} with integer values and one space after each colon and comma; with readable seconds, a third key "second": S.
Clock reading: {"hour": 10, "minute": 22}
